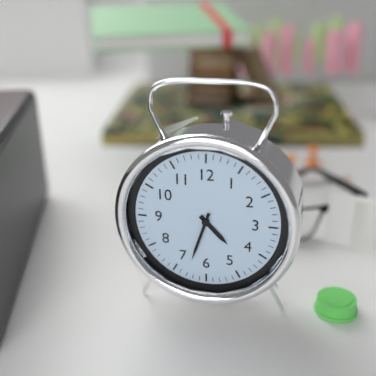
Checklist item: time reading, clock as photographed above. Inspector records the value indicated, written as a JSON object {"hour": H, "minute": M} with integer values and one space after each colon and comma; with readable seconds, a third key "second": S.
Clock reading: {"hour": 4, "minute": 33}
